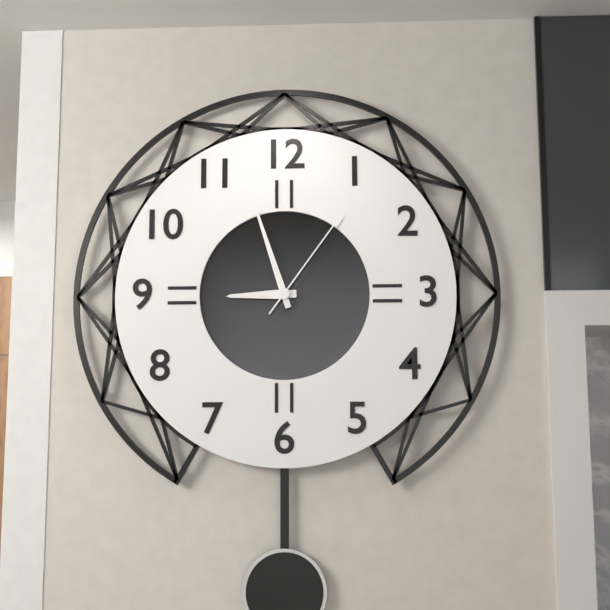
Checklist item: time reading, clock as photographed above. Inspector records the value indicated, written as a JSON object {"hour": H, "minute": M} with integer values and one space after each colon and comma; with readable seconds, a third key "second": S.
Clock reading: {"hour": 8, "minute": 57, "second": 6}
